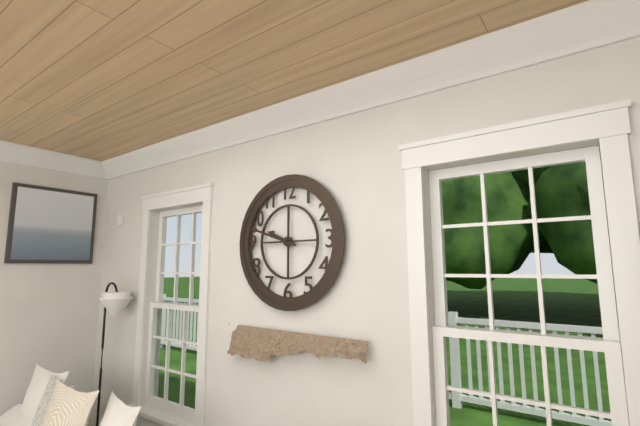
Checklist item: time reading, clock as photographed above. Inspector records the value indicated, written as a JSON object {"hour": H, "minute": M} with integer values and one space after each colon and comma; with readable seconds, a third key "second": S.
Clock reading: {"hour": 9, "minute": 48}
